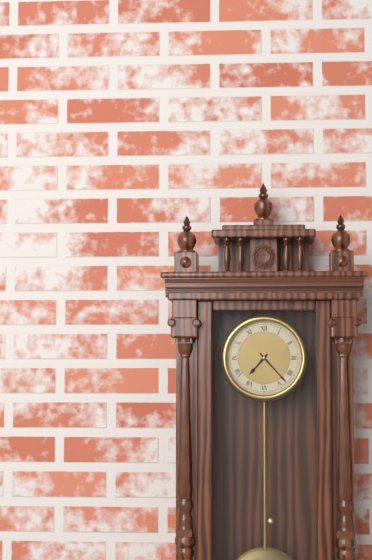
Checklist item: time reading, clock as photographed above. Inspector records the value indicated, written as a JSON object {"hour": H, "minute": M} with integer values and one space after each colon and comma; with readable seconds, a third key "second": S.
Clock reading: {"hour": 7, "minute": 23}
